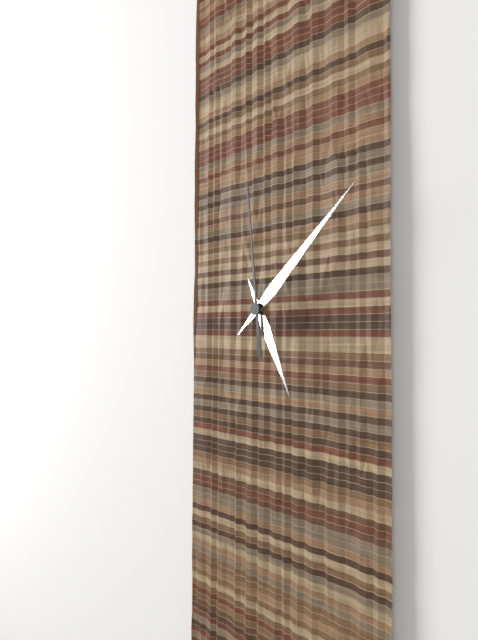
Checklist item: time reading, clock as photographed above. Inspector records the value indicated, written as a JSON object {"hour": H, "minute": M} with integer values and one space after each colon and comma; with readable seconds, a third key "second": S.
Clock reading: {"hour": 5, "minute": 8, "second": 59}
